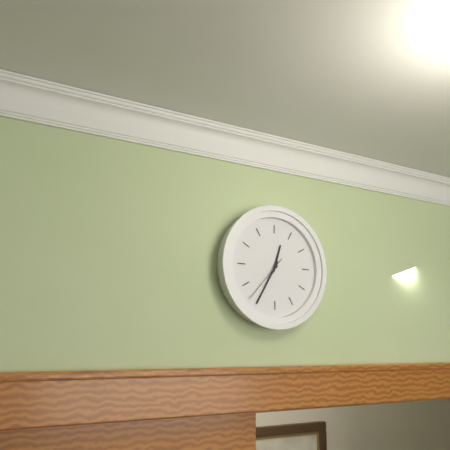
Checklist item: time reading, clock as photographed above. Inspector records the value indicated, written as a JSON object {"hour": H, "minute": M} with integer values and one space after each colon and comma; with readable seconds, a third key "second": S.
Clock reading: {"hour": 12, "minute": 35, "second": 37}
